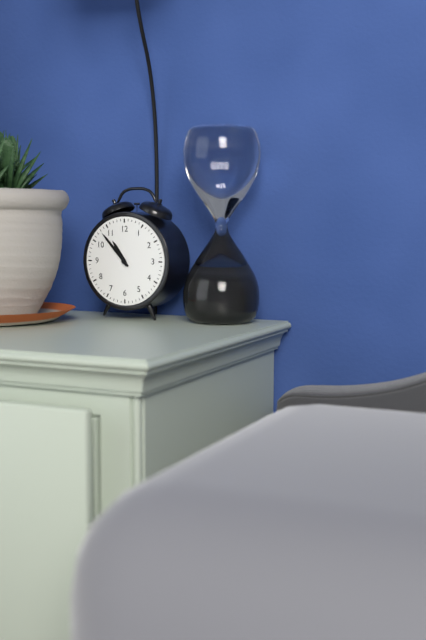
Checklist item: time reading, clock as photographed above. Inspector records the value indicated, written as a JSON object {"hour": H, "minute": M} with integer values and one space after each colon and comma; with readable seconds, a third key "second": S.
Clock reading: {"hour": 10, "minute": 53}
